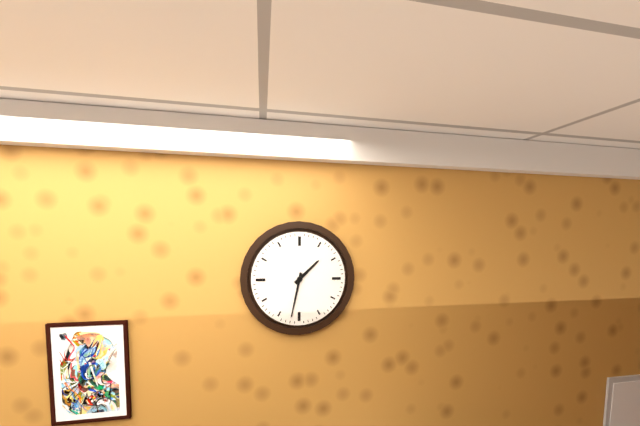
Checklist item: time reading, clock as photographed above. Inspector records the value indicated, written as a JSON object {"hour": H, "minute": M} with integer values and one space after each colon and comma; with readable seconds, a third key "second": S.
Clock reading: {"hour": 1, "minute": 32}
